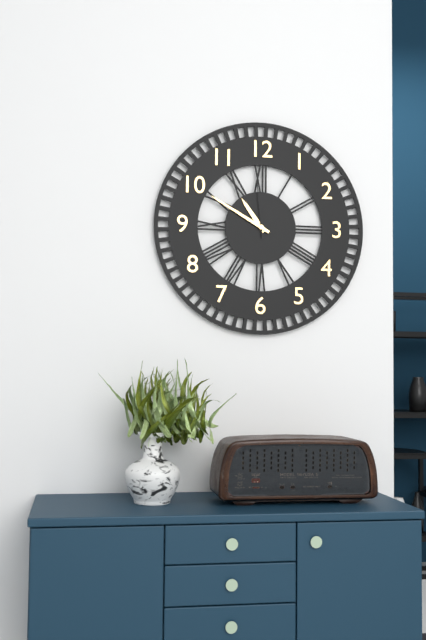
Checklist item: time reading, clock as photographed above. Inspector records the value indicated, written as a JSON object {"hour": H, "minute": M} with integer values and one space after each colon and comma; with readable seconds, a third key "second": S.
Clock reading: {"hour": 10, "minute": 50, "second": 59}
